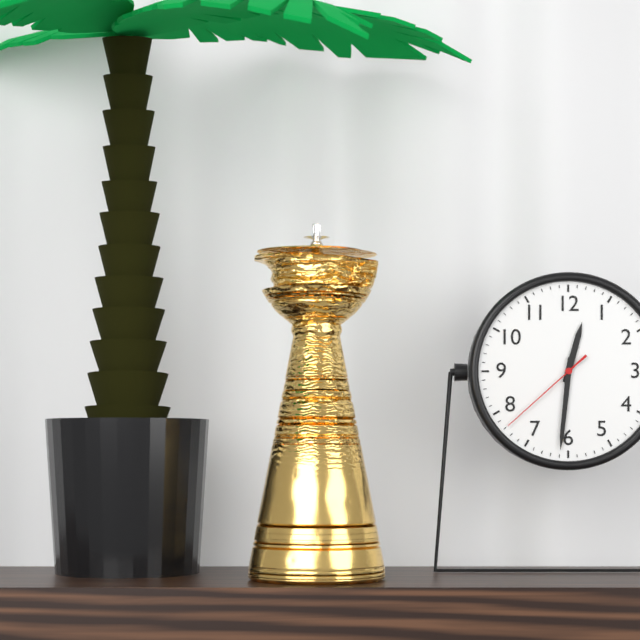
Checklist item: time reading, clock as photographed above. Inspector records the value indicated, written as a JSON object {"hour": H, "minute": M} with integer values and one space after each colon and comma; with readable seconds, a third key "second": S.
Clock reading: {"hour": 12, "minute": 31, "second": 38}
